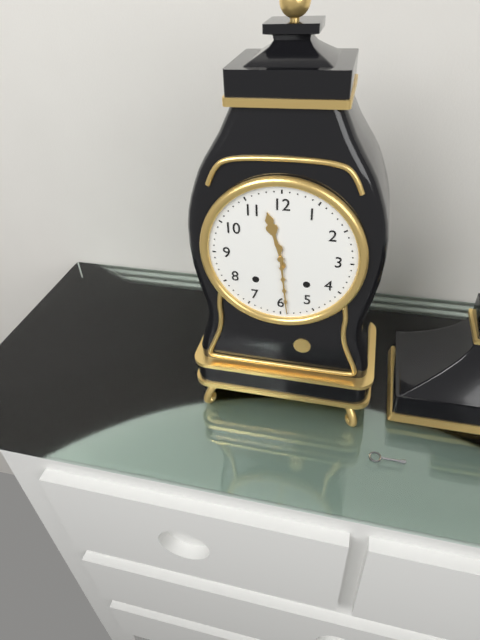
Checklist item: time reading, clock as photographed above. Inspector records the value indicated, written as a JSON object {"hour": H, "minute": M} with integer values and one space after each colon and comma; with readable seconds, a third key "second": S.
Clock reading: {"hour": 11, "minute": 29}
